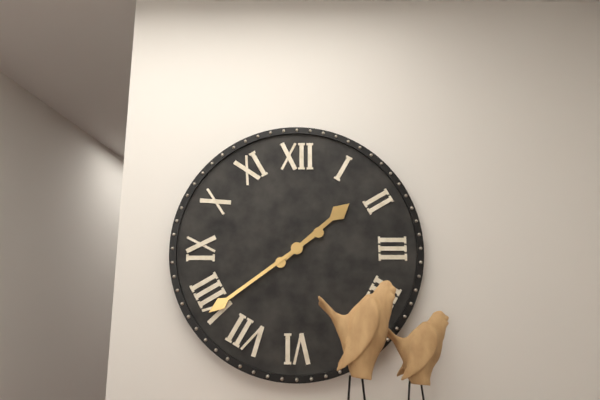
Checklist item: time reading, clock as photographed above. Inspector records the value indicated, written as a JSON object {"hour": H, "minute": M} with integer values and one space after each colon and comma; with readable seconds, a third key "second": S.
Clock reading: {"hour": 1, "minute": 39}
